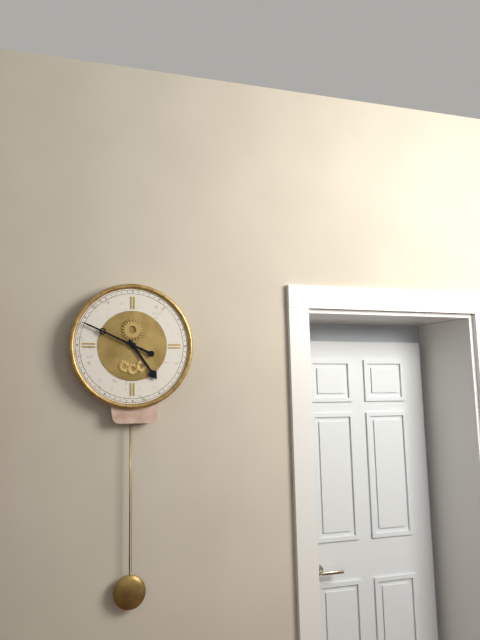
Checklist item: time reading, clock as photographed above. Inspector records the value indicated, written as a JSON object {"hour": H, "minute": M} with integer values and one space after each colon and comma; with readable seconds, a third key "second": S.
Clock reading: {"hour": 4, "minute": 49}
